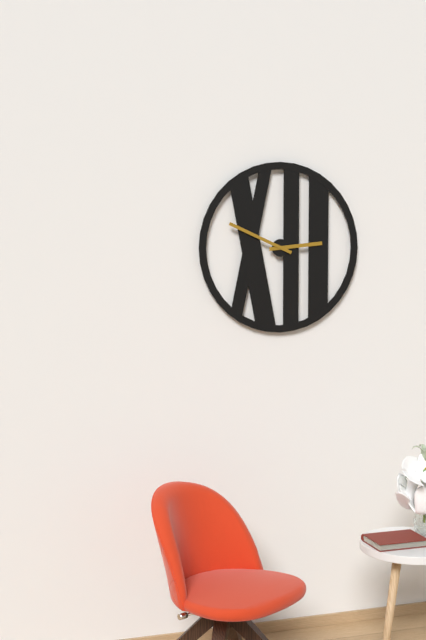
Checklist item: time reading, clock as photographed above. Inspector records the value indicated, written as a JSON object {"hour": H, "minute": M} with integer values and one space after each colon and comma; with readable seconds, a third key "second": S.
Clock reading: {"hour": 2, "minute": 49}
